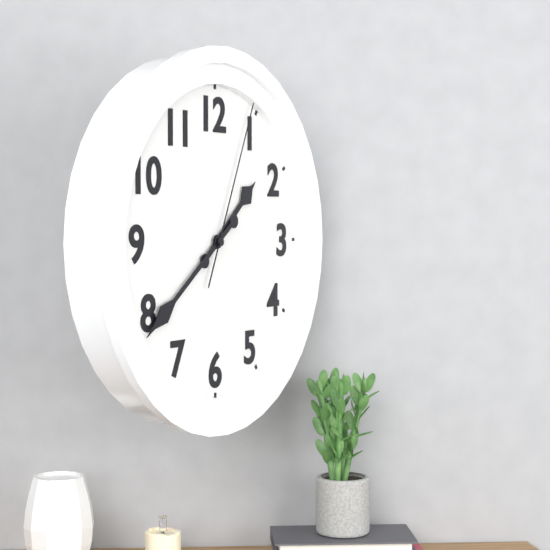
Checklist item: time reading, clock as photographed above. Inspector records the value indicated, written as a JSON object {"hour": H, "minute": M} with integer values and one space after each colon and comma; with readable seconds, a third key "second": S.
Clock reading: {"hour": 1, "minute": 39, "second": 4}
